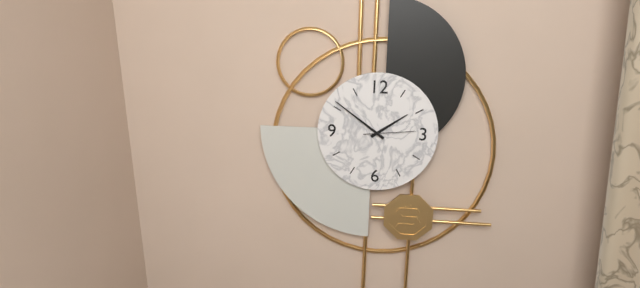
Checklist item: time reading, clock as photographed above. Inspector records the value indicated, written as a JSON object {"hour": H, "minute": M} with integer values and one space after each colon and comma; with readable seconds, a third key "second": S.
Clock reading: {"hour": 1, "minute": 51}
